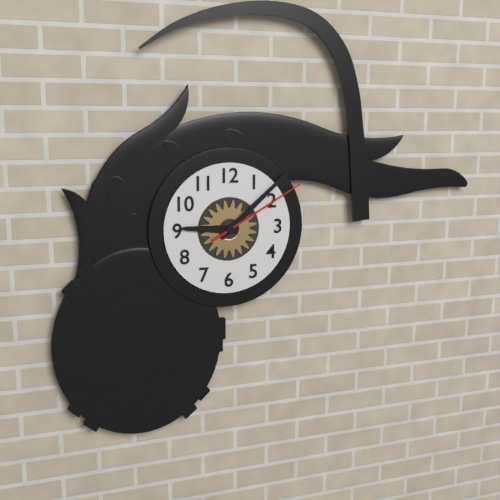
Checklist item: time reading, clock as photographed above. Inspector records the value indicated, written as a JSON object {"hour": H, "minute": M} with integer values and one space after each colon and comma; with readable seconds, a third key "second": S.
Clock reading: {"hour": 9, "minute": 8, "second": 10}
